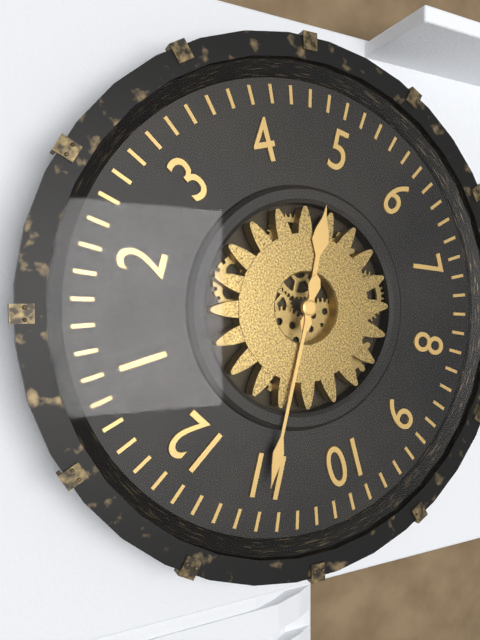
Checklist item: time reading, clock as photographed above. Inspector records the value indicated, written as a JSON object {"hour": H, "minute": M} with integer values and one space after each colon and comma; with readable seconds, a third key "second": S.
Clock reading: {"hour": 4, "minute": 55}
